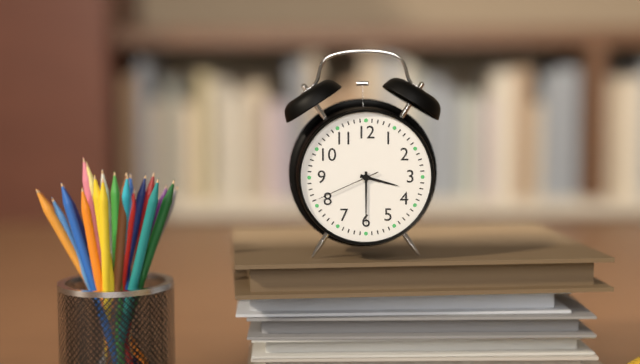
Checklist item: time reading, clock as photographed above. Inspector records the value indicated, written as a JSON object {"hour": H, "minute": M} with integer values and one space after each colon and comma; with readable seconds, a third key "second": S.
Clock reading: {"hour": 3, "minute": 30, "second": 41}
